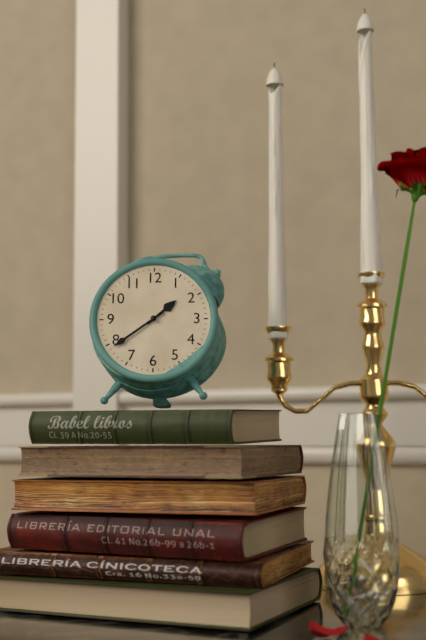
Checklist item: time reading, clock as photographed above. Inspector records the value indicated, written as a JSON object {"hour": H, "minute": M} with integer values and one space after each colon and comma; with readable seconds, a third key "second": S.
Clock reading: {"hour": 1, "minute": 39}
